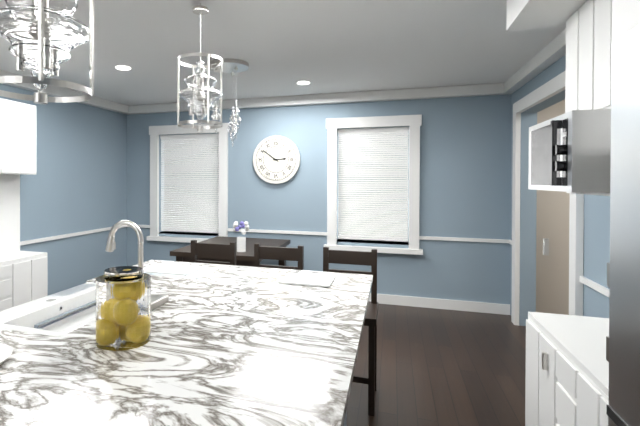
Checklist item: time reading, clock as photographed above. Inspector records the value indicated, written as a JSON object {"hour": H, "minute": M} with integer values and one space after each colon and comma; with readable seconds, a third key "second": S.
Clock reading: {"hour": 2, "minute": 51}
